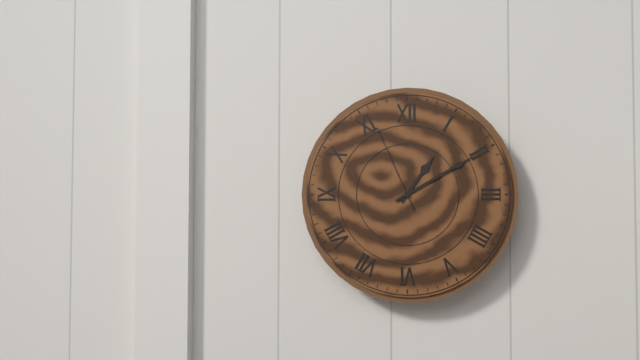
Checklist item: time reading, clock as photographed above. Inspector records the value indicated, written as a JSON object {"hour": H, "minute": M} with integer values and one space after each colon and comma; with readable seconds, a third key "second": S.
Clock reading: {"hour": 1, "minute": 10, "second": 56}
